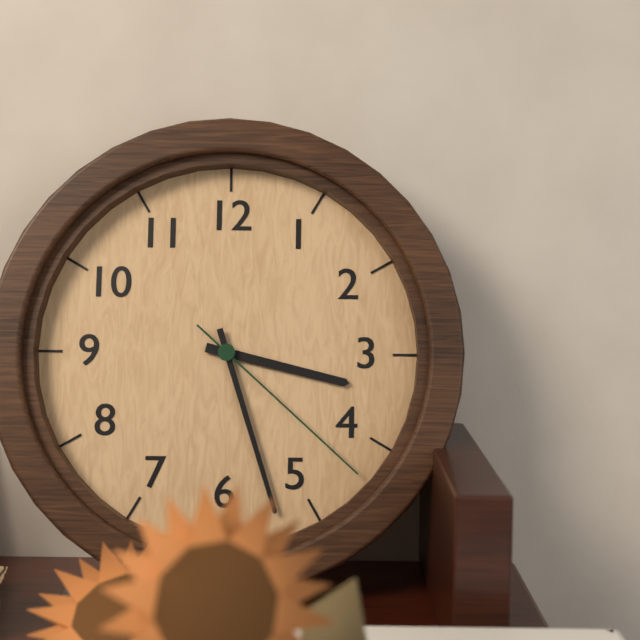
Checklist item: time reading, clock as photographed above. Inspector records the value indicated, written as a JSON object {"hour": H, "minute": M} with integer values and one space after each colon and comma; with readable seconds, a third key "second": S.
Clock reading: {"hour": 3, "minute": 27, "second": 22}
